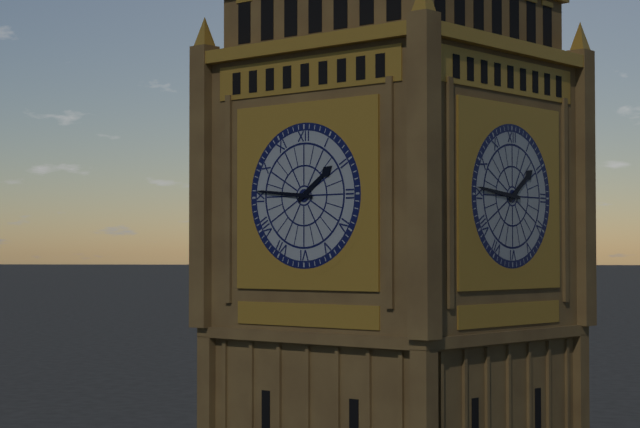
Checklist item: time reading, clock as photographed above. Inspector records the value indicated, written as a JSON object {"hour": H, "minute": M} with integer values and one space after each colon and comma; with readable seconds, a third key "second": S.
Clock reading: {"hour": 1, "minute": 46}
